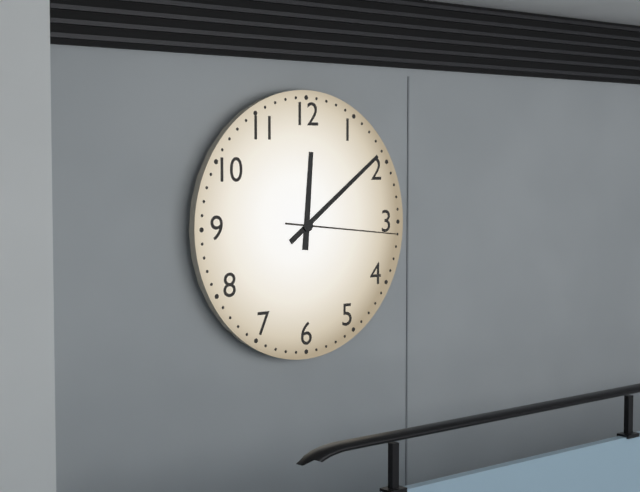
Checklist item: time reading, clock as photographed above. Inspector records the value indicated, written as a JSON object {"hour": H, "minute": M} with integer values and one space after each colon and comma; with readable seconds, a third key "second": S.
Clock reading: {"hour": 12, "minute": 9, "second": 16}
